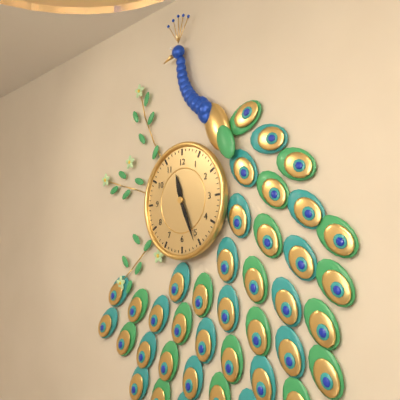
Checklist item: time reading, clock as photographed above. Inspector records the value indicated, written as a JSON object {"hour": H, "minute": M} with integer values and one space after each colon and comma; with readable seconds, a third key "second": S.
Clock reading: {"hour": 11, "minute": 26}
